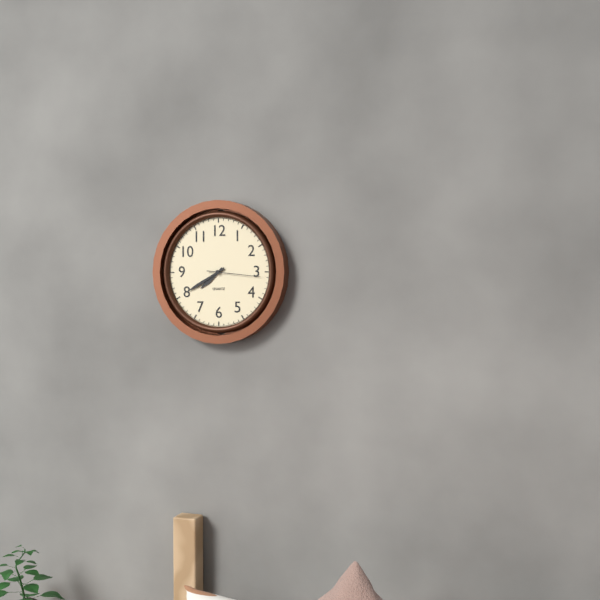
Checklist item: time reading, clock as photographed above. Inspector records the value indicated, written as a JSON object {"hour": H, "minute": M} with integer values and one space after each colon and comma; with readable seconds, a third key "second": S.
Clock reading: {"hour": 7, "minute": 40, "second": 16}
